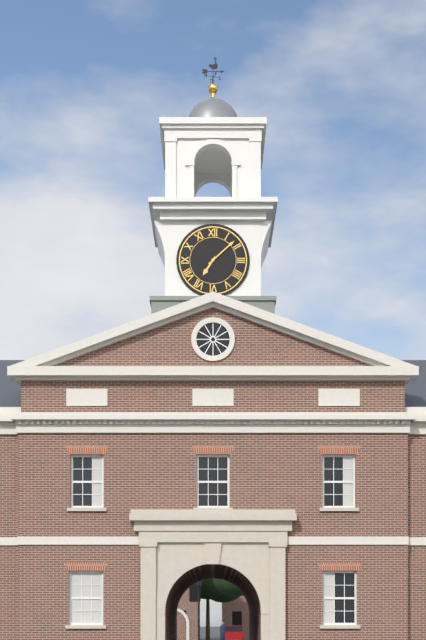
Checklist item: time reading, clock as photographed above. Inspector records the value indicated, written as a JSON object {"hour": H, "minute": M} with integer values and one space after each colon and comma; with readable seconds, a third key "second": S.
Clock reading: {"hour": 7, "minute": 8}
